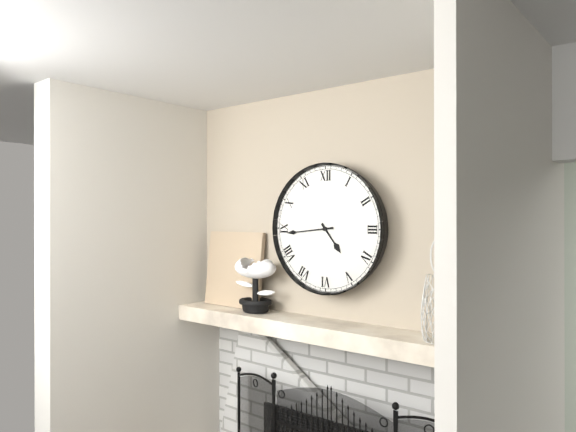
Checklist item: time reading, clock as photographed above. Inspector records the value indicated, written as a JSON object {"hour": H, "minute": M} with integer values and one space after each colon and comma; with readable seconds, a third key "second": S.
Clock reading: {"hour": 4, "minute": 44}
